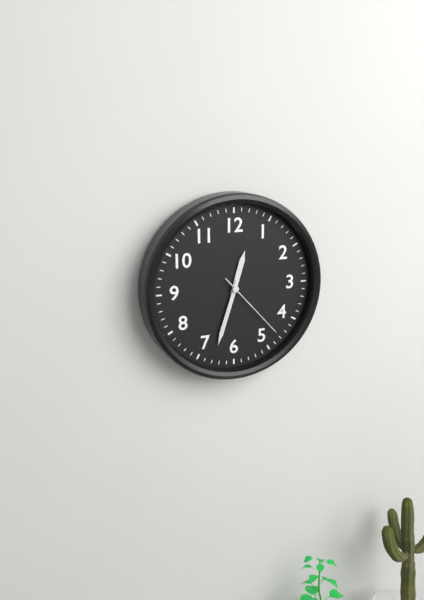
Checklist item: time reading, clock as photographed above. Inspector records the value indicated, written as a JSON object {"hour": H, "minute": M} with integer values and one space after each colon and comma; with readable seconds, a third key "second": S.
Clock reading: {"hour": 12, "minute": 33, "second": 23}
